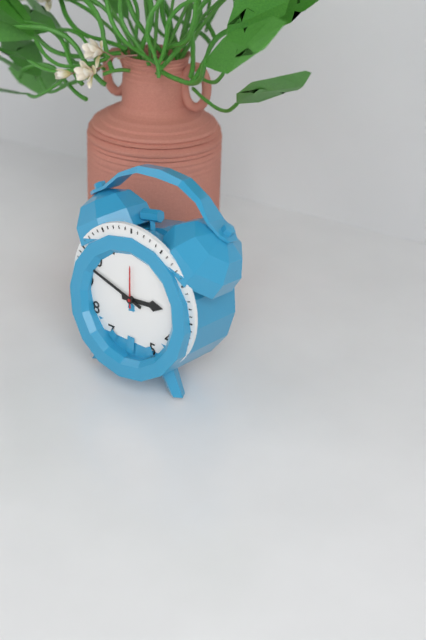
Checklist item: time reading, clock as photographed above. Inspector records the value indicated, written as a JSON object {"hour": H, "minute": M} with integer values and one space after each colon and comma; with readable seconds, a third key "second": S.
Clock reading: {"hour": 2, "minute": 48}
